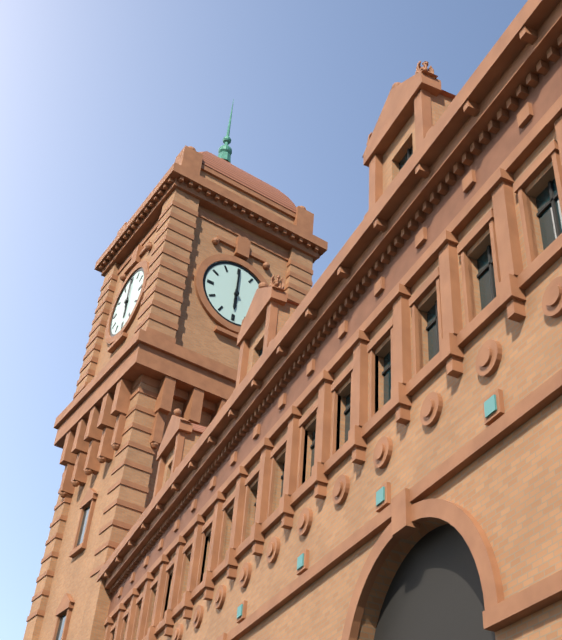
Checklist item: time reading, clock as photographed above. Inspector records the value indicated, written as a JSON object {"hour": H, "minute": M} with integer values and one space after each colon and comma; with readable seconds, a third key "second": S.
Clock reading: {"hour": 6, "minute": 0}
